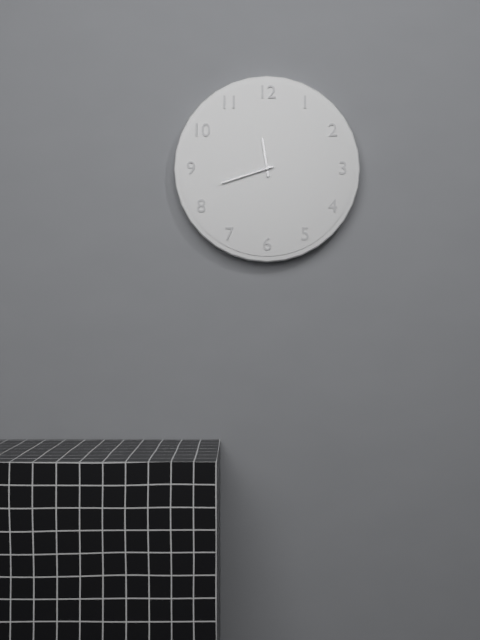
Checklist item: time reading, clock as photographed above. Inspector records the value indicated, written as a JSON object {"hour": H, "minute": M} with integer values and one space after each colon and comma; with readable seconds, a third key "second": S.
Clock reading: {"hour": 11, "minute": 42}
